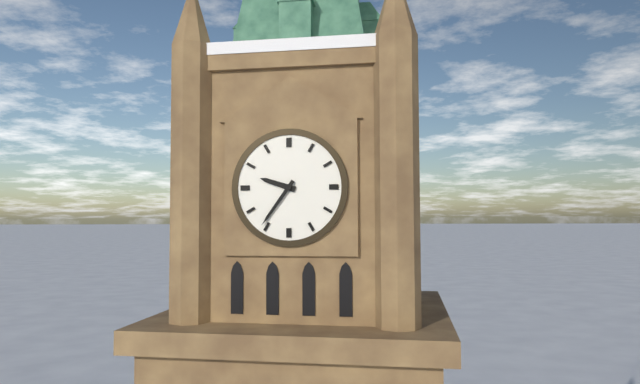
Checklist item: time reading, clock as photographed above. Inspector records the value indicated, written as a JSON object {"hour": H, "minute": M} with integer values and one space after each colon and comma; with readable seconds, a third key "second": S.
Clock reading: {"hour": 9, "minute": 36}
